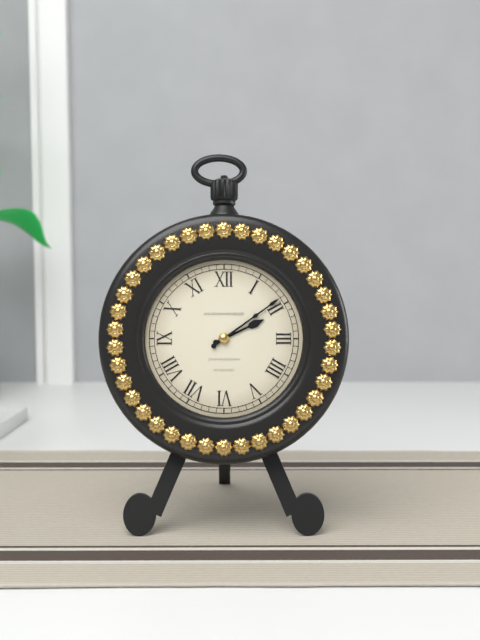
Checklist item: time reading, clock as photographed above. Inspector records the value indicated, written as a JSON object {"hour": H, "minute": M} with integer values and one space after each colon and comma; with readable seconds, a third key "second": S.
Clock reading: {"hour": 2, "minute": 9}
